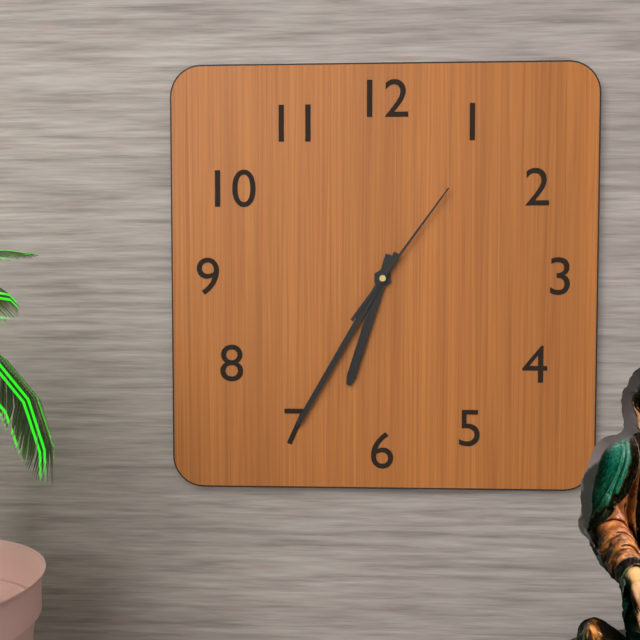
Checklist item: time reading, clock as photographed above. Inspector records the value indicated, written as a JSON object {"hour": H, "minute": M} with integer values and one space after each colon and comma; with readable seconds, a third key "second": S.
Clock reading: {"hour": 6, "minute": 35, "second": 6}
